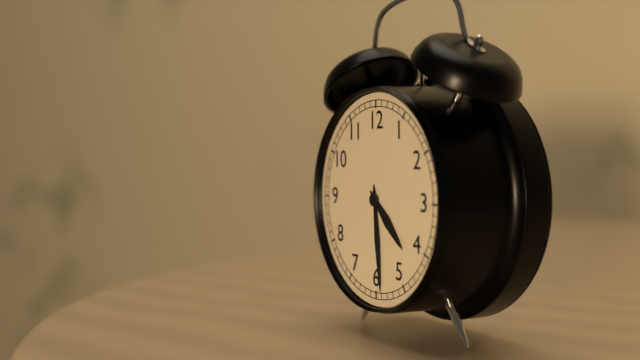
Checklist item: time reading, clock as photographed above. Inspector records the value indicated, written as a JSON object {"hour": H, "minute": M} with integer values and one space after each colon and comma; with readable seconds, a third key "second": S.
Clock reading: {"hour": 4, "minute": 29}
